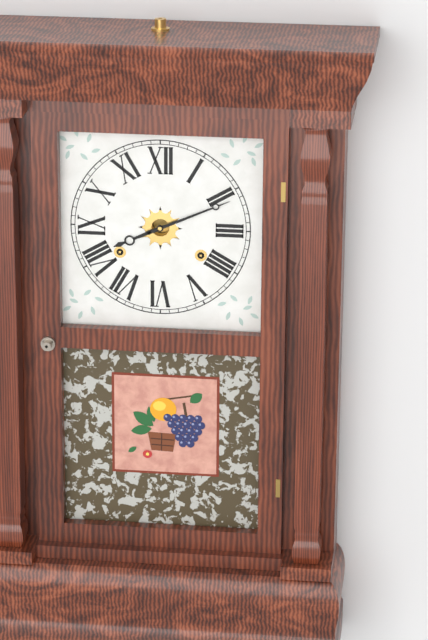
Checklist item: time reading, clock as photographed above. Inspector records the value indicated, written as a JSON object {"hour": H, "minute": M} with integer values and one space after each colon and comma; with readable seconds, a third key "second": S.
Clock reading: {"hour": 8, "minute": 11}
